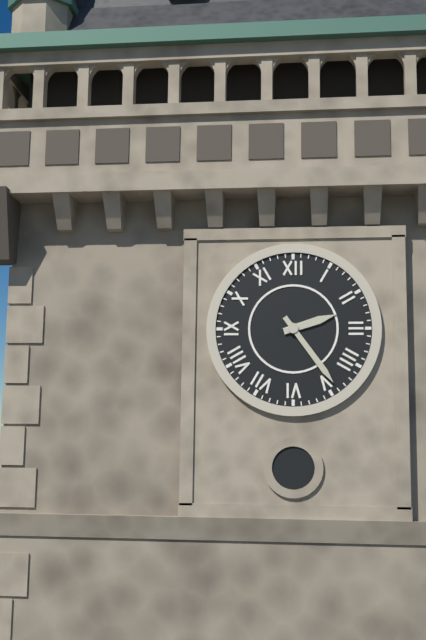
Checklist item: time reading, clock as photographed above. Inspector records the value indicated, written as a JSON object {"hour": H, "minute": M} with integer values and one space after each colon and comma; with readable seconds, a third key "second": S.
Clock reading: {"hour": 2, "minute": 24}
